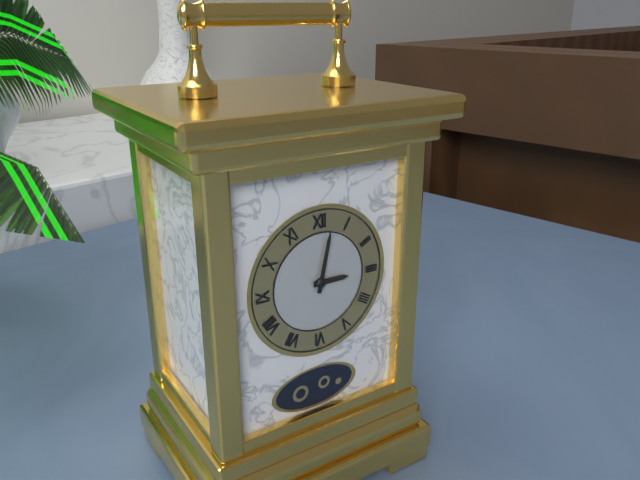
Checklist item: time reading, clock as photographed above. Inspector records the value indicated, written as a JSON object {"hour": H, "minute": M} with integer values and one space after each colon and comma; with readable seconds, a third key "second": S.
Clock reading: {"hour": 3, "minute": 2}
